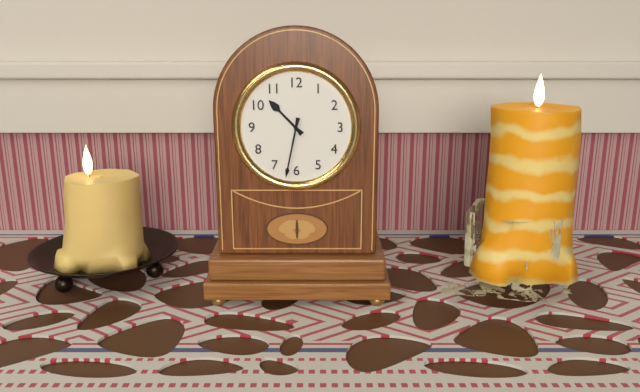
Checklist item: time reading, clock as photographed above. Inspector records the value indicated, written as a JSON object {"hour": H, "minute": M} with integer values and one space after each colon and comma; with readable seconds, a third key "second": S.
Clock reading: {"hour": 10, "minute": 32}
